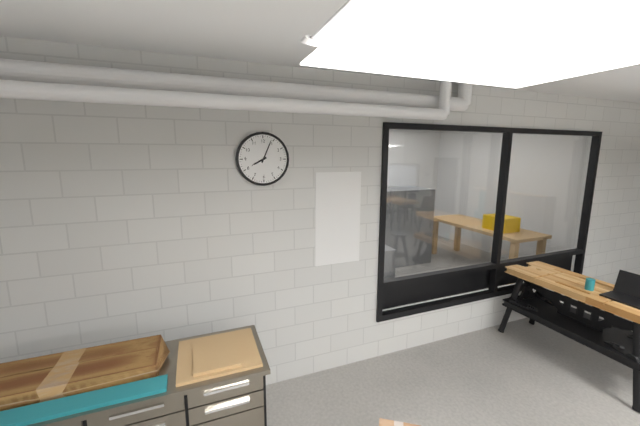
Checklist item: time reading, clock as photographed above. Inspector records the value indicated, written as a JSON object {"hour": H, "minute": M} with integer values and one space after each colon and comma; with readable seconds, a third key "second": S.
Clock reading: {"hour": 8, "minute": 4}
